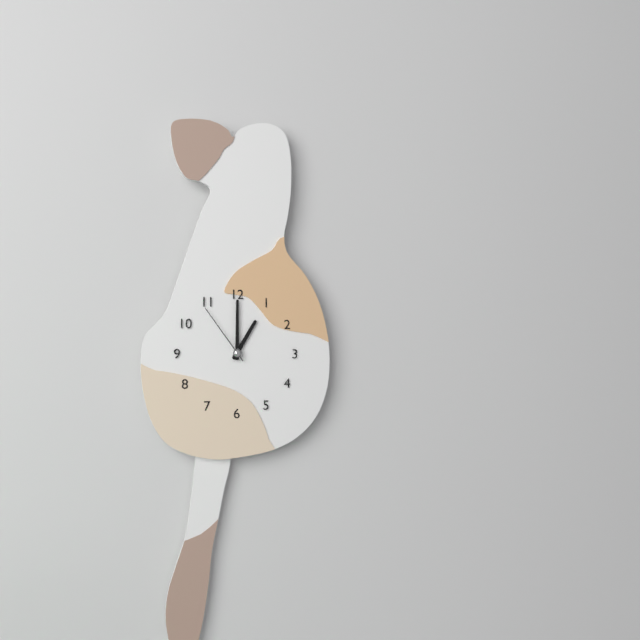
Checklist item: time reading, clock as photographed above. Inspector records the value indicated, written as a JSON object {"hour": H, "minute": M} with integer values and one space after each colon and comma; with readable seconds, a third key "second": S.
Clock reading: {"hour": 1, "minute": 0, "second": 54}
